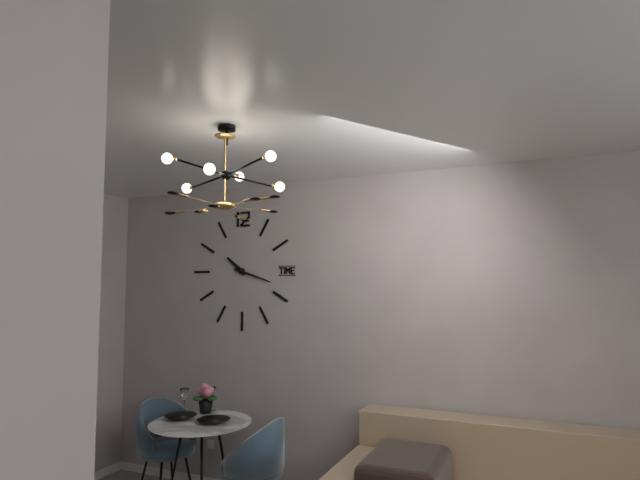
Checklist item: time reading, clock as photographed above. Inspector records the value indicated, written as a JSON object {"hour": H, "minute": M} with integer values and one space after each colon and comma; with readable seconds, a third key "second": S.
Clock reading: {"hour": 10, "minute": 18}
